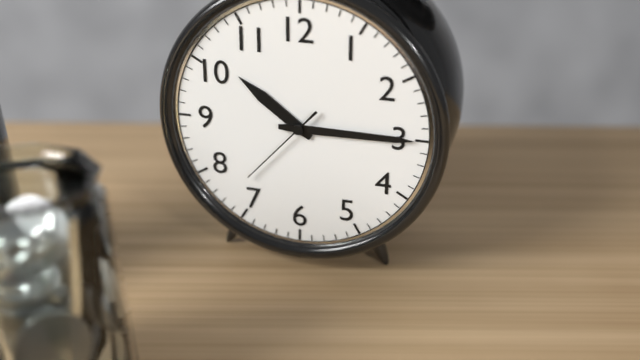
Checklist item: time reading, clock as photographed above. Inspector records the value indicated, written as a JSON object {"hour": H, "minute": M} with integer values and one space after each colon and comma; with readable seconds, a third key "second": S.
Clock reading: {"hour": 10, "minute": 15, "second": 37}
